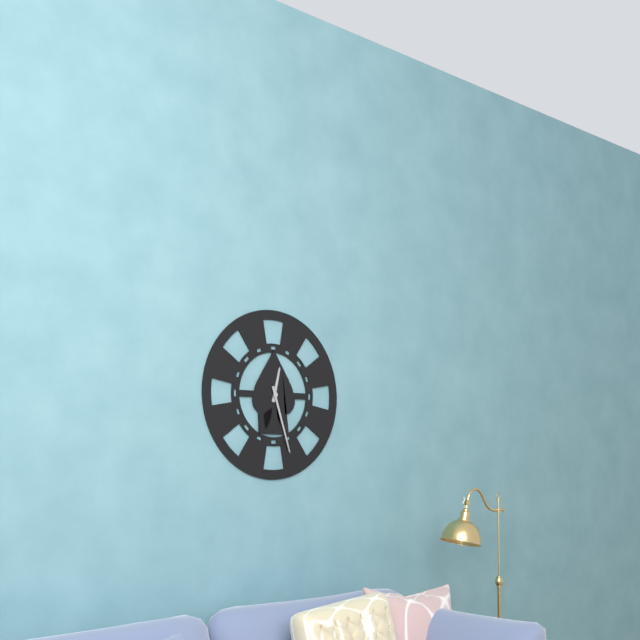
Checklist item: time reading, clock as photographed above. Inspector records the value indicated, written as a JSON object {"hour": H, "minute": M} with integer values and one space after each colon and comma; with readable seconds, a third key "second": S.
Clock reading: {"hour": 12, "minute": 27}
